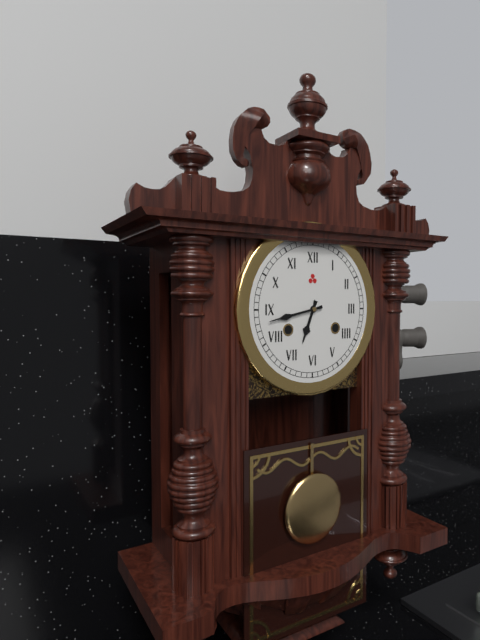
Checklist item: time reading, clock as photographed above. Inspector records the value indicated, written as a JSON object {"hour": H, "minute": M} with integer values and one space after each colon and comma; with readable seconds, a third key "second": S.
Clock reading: {"hour": 6, "minute": 43}
